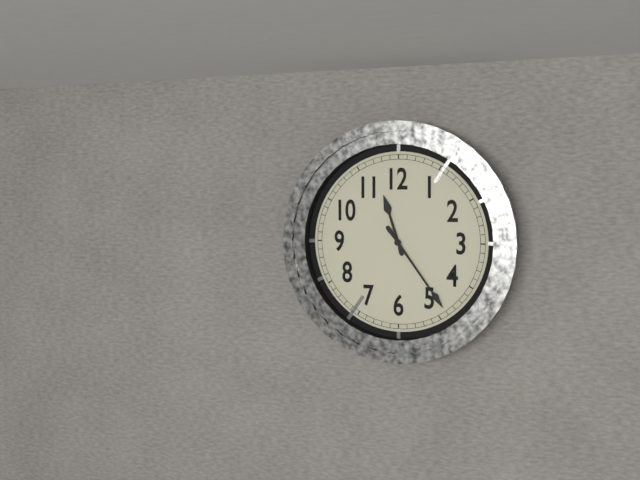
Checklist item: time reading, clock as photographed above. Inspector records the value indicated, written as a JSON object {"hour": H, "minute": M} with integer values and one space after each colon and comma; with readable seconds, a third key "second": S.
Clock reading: {"hour": 11, "minute": 24}
